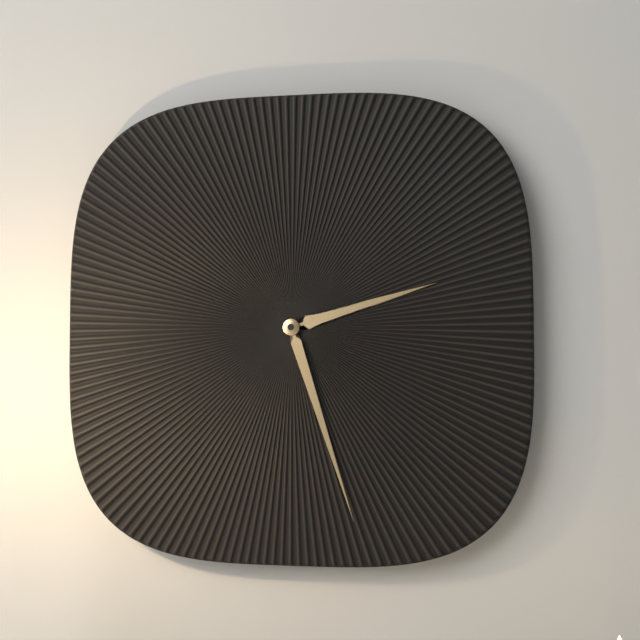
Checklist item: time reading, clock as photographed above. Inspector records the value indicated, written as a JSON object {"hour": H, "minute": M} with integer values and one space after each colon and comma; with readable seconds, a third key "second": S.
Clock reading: {"hour": 2, "minute": 27}
